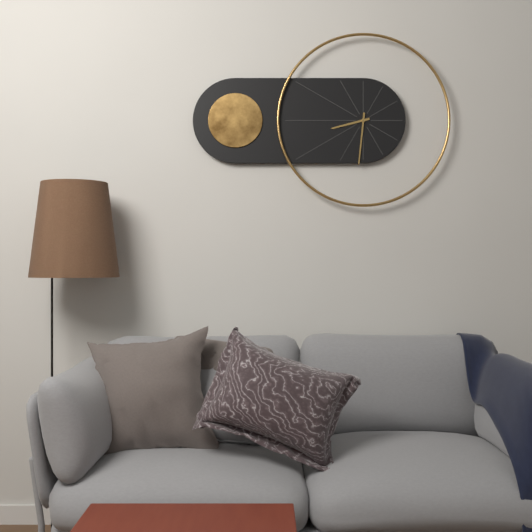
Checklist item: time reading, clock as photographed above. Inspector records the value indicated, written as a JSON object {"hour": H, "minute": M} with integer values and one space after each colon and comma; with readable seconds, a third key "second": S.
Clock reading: {"hour": 8, "minute": 31}
